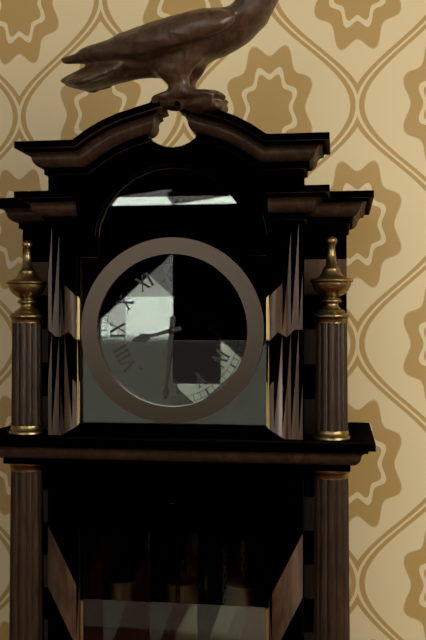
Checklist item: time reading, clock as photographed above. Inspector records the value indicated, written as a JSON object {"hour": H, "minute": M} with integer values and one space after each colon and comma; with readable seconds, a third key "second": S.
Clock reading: {"hour": 8, "minute": 31}
